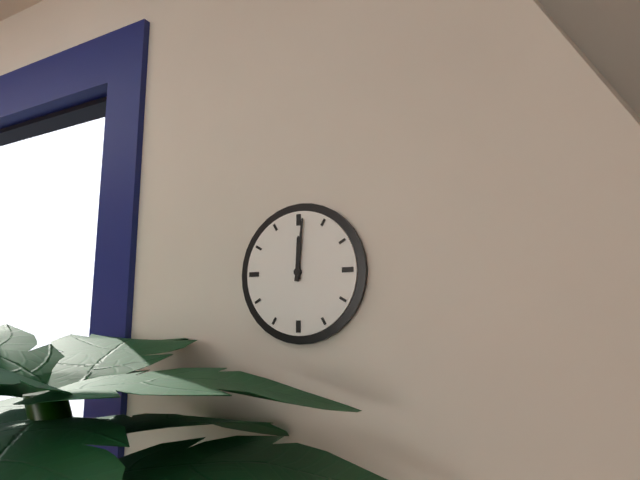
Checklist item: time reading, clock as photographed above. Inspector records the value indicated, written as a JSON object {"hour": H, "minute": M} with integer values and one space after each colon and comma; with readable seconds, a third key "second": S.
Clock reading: {"hour": 12, "minute": 1}
